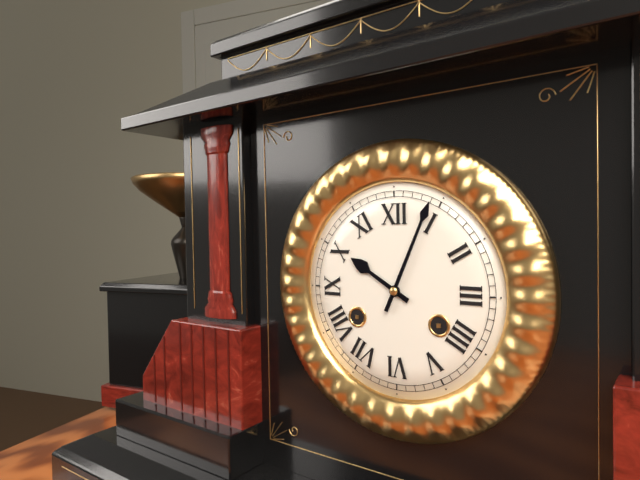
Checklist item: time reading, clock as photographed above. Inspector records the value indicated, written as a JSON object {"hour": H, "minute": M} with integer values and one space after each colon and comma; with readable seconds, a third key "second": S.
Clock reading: {"hour": 10, "minute": 4}
